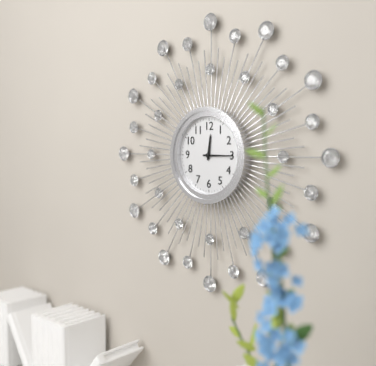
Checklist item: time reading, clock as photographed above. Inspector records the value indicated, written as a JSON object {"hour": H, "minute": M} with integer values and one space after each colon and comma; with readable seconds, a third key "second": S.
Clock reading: {"hour": 12, "minute": 15}
